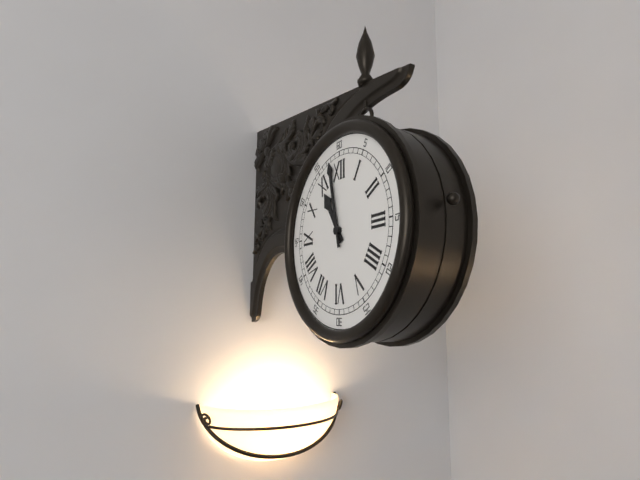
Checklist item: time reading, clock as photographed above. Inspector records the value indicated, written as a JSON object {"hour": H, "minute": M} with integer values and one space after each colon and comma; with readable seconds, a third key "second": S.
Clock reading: {"hour": 10, "minute": 58}
